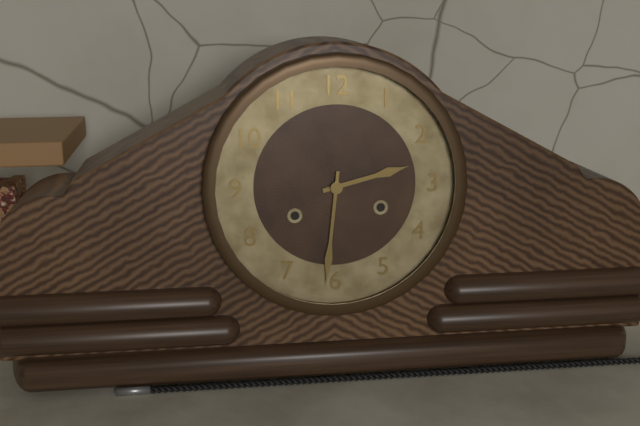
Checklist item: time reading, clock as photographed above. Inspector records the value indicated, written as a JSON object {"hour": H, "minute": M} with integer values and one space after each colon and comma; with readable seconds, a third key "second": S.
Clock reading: {"hour": 2, "minute": 31}
